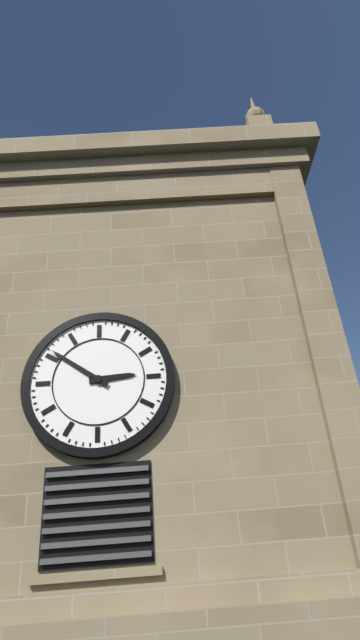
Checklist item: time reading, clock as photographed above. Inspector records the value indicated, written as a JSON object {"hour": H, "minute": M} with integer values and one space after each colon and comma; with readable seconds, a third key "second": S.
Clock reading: {"hour": 2, "minute": 51}
